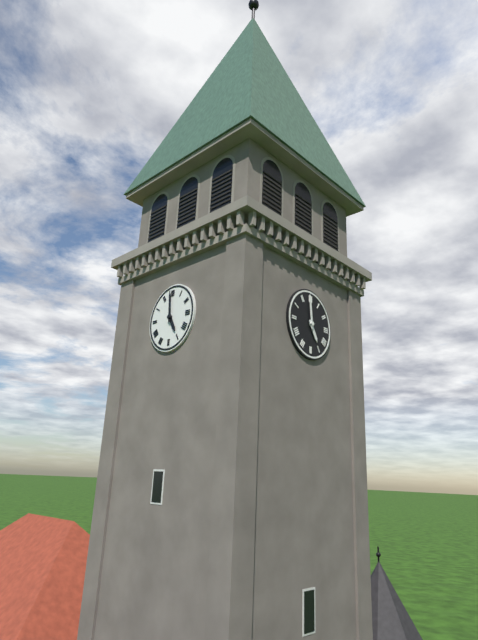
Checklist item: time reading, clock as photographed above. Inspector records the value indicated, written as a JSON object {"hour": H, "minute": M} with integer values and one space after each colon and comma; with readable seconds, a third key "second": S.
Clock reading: {"hour": 4, "minute": 59}
